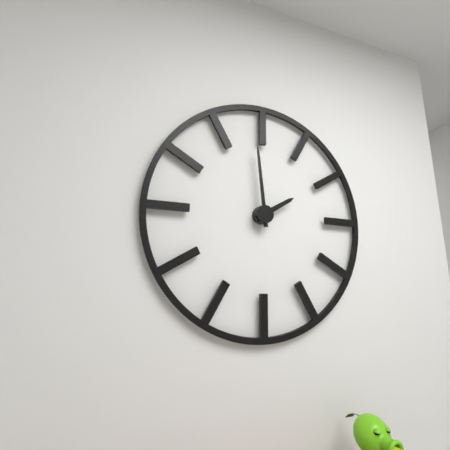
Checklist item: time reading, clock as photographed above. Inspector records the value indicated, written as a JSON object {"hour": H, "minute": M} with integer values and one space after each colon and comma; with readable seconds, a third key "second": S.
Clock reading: {"hour": 1, "minute": 59}
